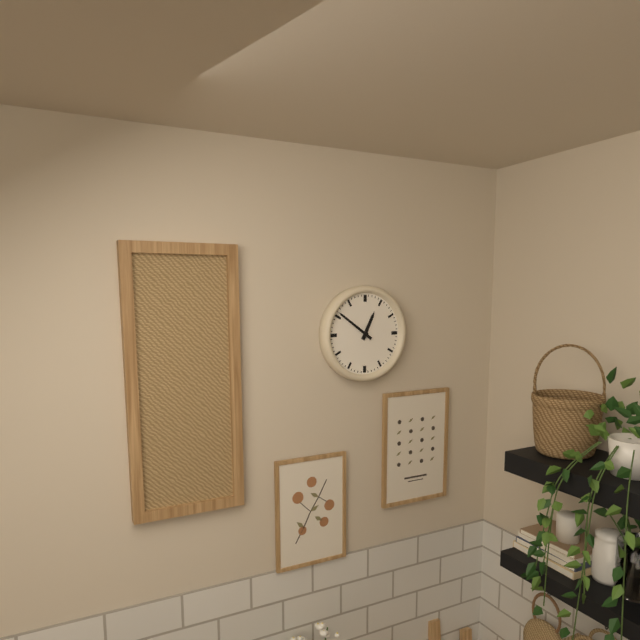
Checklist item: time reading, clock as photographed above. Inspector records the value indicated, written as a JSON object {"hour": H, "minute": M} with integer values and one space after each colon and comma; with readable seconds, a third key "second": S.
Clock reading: {"hour": 12, "minute": 51}
